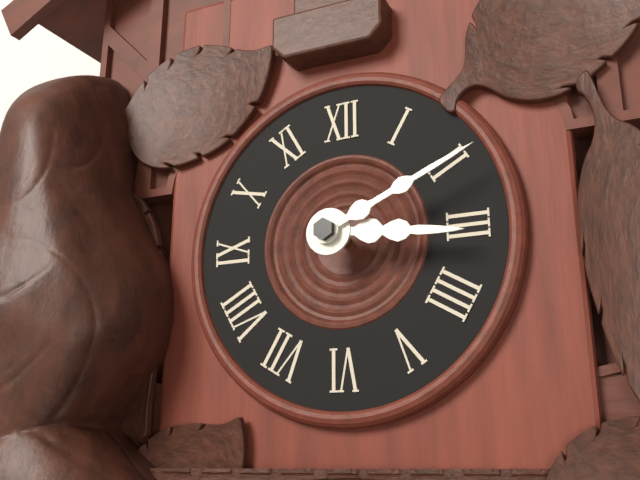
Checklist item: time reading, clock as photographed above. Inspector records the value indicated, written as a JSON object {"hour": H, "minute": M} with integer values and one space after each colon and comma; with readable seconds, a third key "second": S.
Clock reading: {"hour": 3, "minute": 11}
